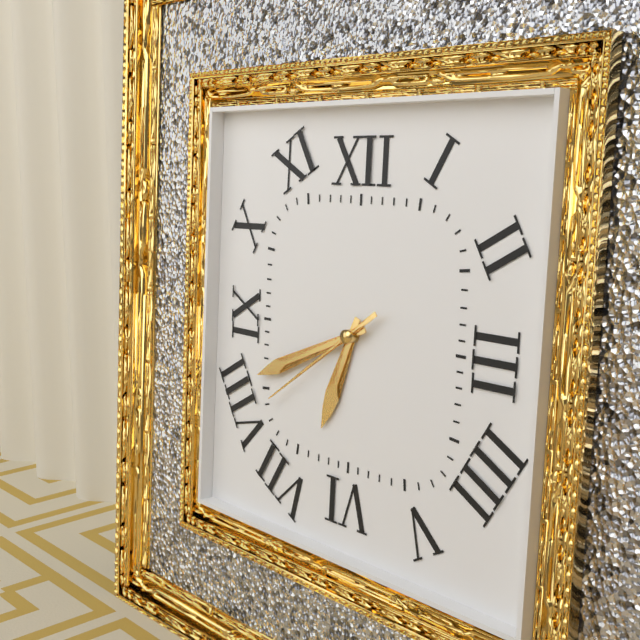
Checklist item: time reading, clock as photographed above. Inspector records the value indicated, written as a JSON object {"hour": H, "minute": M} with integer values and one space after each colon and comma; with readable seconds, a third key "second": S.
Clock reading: {"hour": 6, "minute": 41, "second": 39}
